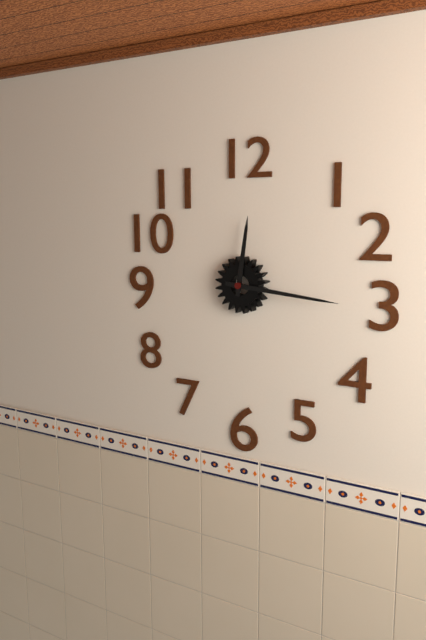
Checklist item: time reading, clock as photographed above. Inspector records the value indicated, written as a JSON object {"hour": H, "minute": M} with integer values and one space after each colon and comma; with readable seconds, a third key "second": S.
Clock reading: {"hour": 12, "minute": 16}
